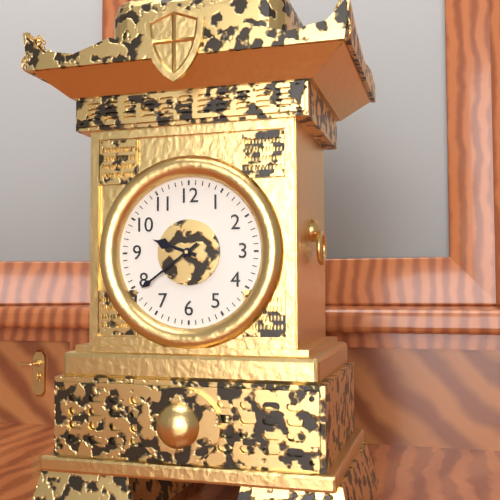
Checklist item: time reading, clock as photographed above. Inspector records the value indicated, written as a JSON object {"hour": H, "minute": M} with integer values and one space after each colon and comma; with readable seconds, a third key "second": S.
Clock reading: {"hour": 9, "minute": 39}
